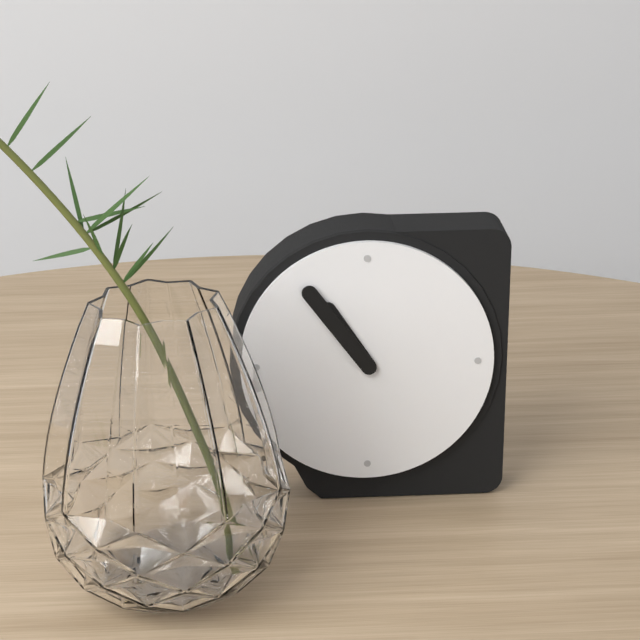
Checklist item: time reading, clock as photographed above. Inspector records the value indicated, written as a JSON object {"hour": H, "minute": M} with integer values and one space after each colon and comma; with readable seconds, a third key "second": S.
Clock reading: {"hour": 10, "minute": 54}
